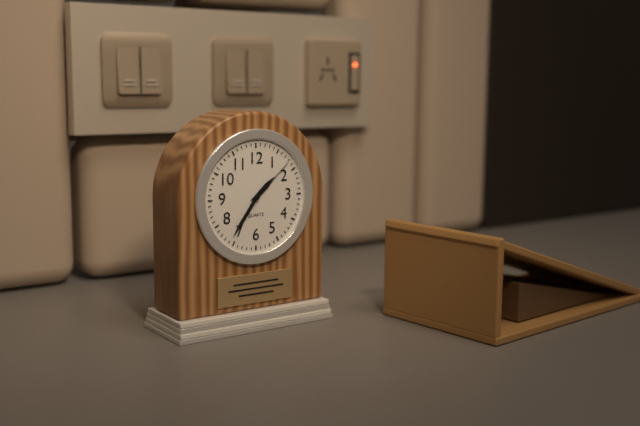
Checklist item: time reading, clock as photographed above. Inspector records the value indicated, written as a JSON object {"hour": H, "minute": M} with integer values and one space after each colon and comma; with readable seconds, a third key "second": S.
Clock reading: {"hour": 1, "minute": 36, "second": 8}
